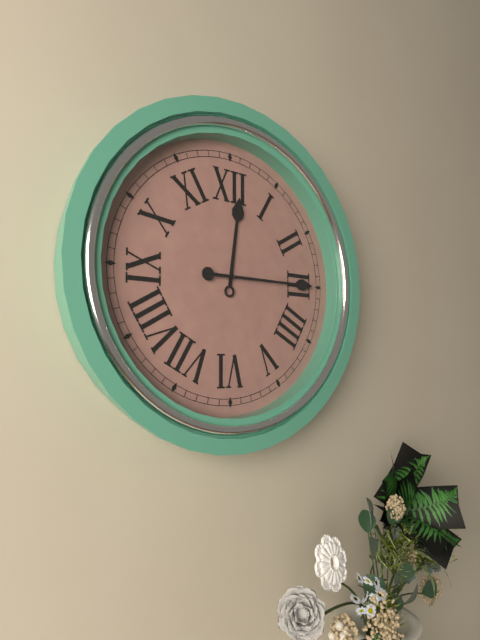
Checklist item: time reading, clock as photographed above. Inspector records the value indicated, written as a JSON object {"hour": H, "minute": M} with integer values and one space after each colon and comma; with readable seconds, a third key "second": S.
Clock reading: {"hour": 12, "minute": 15}
